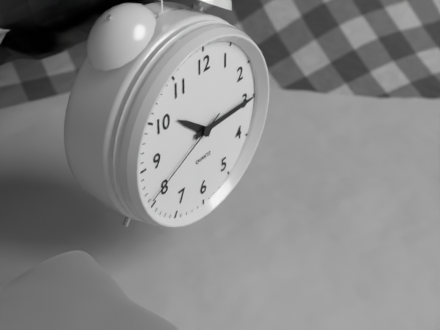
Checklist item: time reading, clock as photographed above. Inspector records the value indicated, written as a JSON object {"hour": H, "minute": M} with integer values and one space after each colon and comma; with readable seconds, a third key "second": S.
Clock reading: {"hour": 10, "minute": 15, "second": 41}
